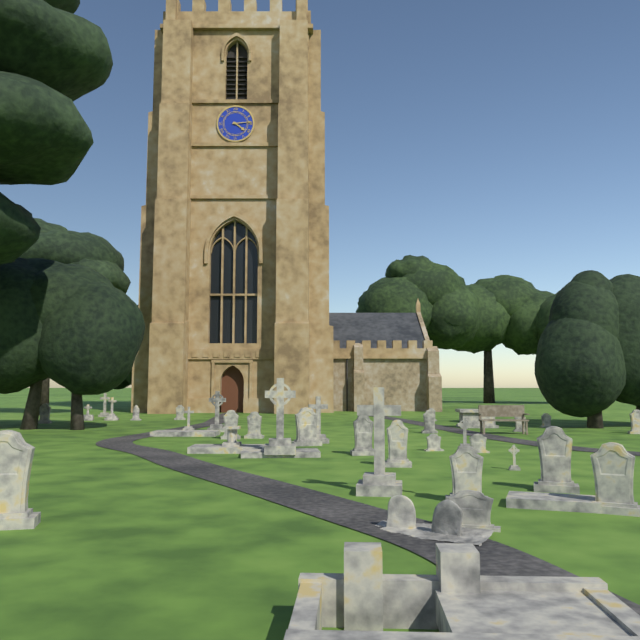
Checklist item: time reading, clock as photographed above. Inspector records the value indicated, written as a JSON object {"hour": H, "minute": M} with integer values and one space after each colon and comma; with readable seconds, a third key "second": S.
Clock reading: {"hour": 4, "minute": 14}
